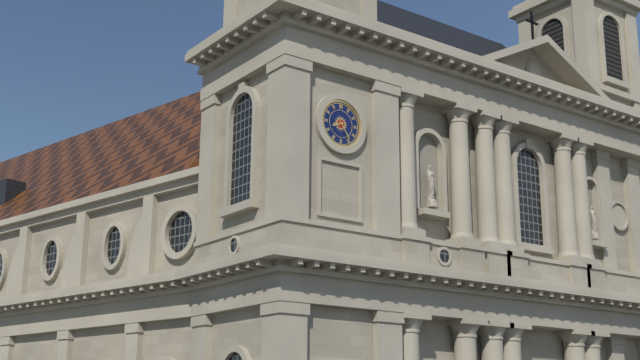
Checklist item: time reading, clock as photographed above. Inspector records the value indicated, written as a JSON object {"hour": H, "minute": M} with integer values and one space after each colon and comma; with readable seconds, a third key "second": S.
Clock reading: {"hour": 8, "minute": 24}
